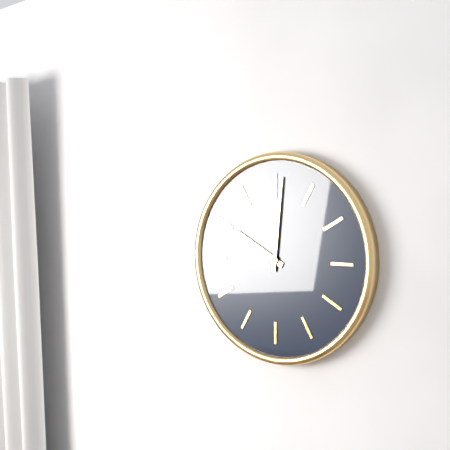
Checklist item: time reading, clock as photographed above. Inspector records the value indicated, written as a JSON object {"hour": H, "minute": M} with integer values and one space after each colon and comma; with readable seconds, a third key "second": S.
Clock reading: {"hour": 10, "minute": 1}
